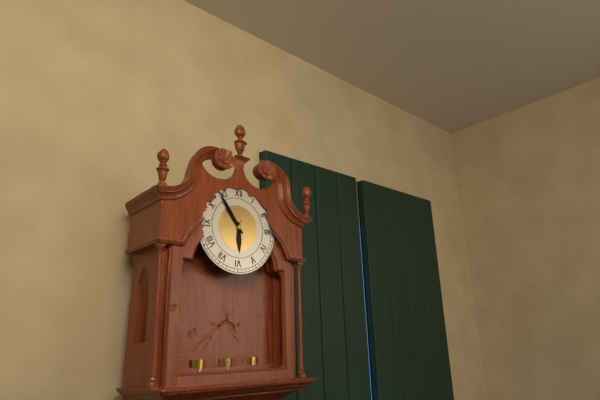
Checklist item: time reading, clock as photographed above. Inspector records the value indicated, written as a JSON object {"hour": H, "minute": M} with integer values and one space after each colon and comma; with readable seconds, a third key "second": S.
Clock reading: {"hour": 5, "minute": 54}
